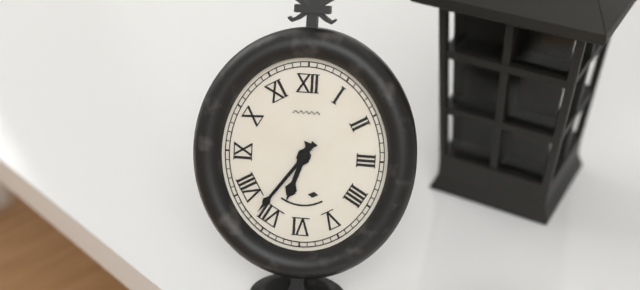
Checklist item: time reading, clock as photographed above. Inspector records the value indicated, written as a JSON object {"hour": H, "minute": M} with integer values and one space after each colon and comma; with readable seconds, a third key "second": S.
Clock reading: {"hour": 6, "minute": 36}
